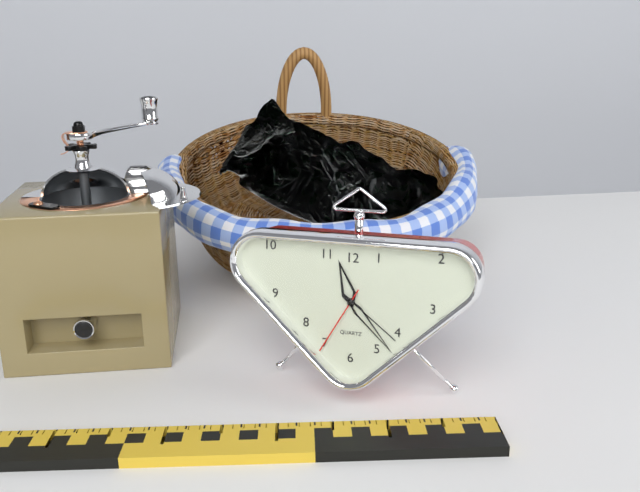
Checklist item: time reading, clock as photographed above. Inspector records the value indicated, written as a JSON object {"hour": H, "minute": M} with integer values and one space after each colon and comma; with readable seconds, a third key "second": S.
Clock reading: {"hour": 11, "minute": 23, "second": 35}
